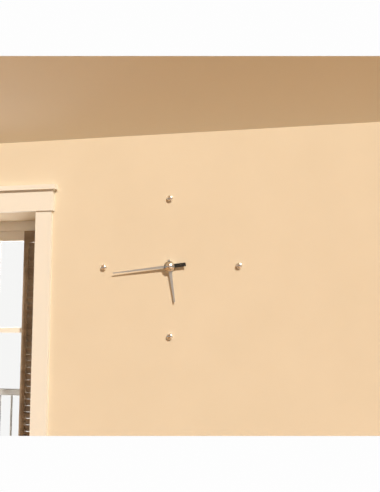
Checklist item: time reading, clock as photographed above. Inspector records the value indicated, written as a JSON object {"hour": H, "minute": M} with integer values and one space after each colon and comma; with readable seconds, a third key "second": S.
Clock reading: {"hour": 5, "minute": 44}
